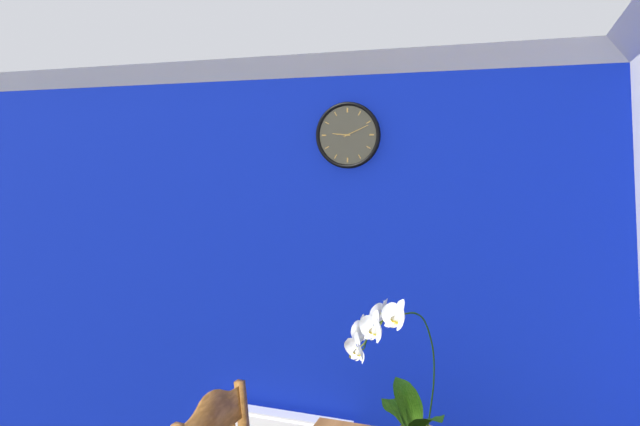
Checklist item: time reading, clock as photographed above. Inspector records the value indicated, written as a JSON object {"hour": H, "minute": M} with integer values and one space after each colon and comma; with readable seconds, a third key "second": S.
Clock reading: {"hour": 9, "minute": 11}
